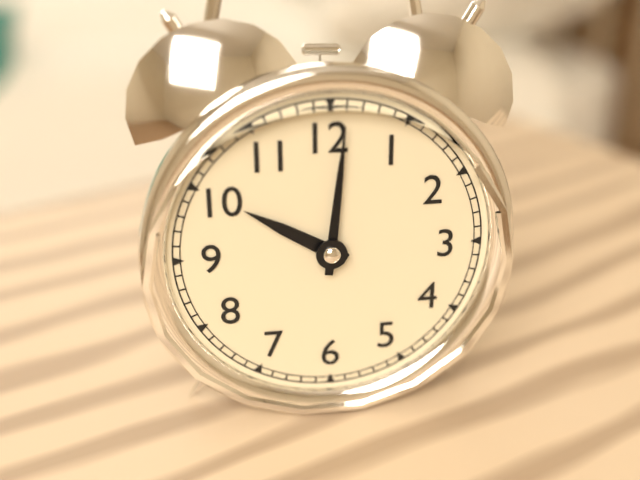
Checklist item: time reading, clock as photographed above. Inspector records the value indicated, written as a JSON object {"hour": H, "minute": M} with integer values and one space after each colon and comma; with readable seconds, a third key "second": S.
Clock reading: {"hour": 10, "minute": 1}
